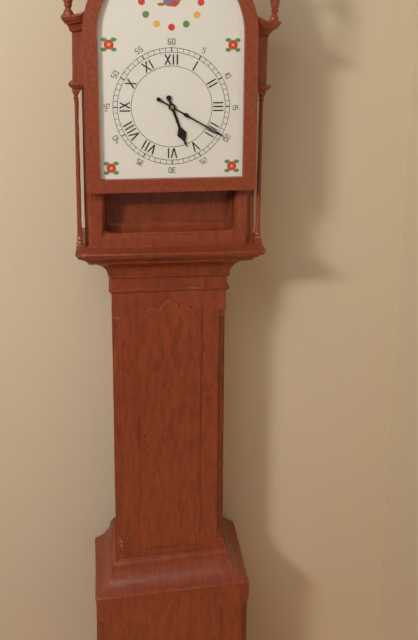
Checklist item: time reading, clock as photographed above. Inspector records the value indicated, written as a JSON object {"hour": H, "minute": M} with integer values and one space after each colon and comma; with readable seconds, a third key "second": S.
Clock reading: {"hour": 5, "minute": 20}
